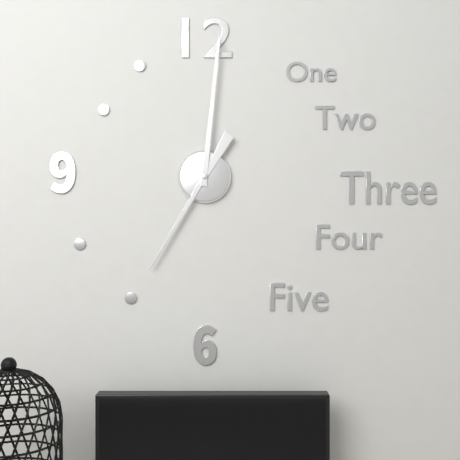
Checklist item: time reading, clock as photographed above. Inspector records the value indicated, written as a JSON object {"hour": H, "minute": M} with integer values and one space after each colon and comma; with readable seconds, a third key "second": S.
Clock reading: {"hour": 7, "minute": 1}
